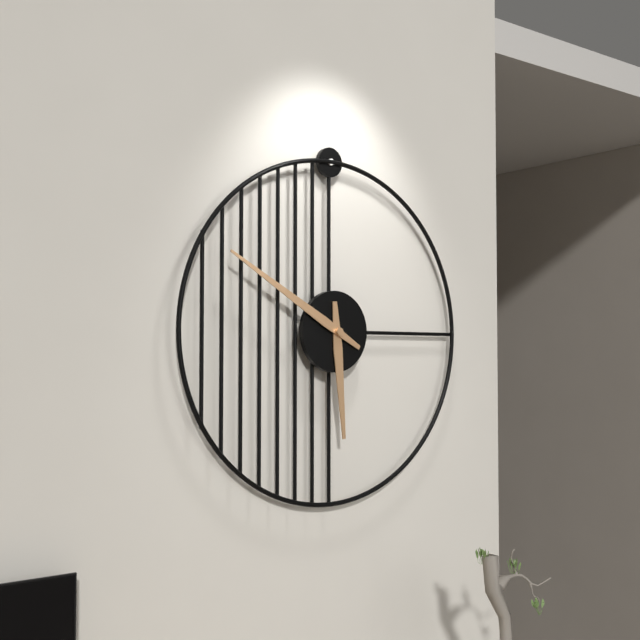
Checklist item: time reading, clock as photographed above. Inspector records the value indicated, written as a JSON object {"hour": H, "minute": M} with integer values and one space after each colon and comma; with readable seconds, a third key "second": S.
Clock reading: {"hour": 5, "minute": 50}
